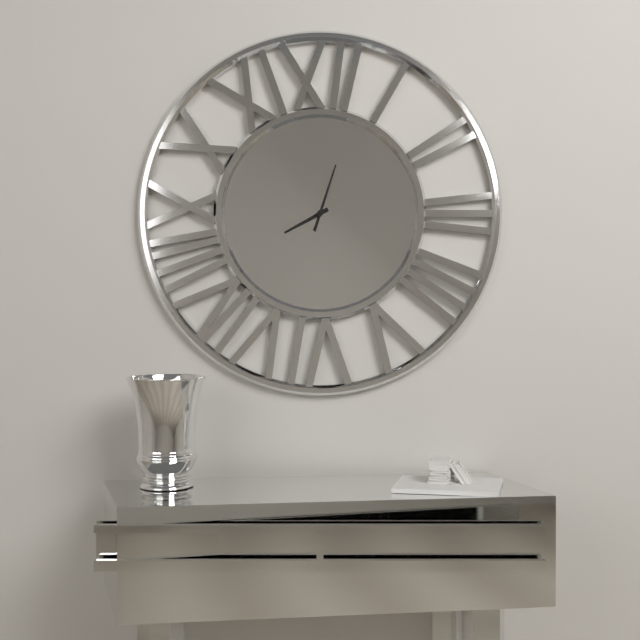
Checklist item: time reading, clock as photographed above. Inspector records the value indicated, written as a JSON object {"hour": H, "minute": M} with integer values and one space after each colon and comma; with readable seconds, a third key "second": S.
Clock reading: {"hour": 8, "minute": 3}
